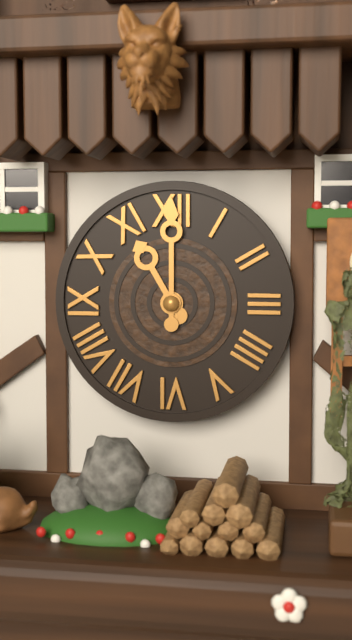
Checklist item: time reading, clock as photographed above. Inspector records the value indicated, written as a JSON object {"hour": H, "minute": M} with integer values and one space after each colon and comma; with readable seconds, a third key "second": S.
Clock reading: {"hour": 11, "minute": 0}
